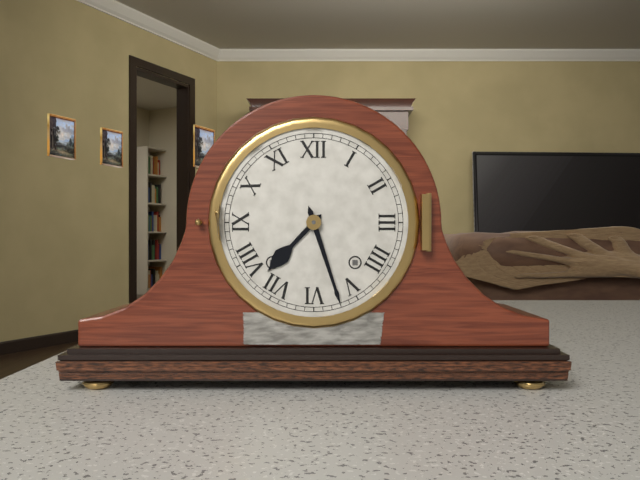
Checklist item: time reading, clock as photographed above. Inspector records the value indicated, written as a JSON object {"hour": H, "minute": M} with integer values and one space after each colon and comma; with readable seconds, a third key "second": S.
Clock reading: {"hour": 7, "minute": 27}
